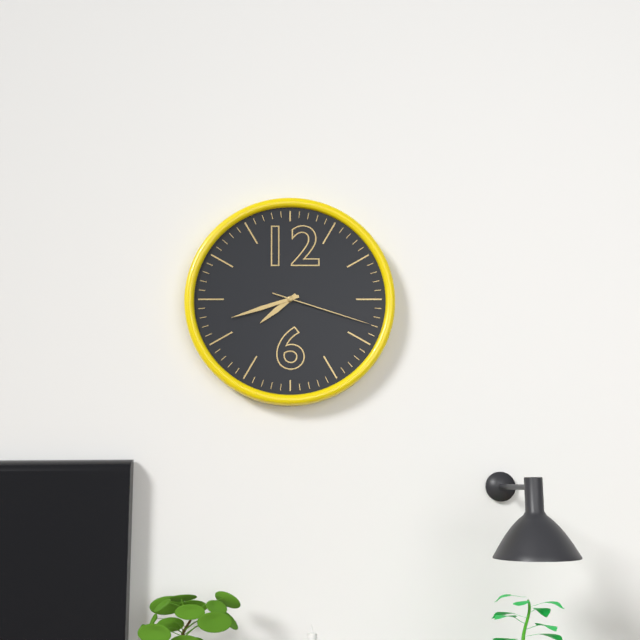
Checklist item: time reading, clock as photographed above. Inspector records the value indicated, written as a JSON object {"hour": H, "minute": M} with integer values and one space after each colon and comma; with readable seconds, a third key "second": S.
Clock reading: {"hour": 7, "minute": 42, "second": 18}
